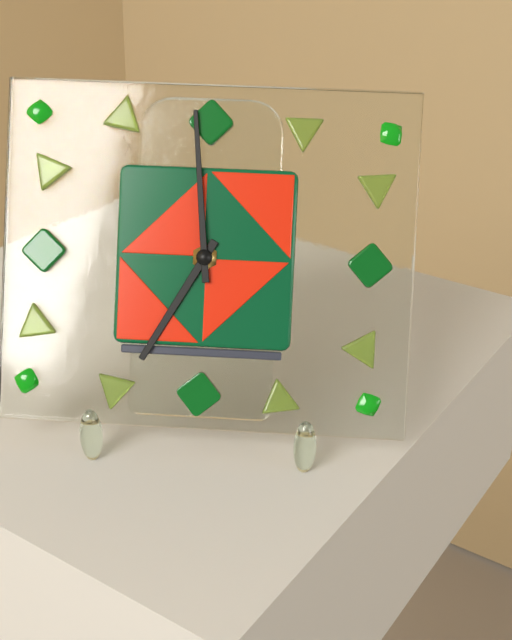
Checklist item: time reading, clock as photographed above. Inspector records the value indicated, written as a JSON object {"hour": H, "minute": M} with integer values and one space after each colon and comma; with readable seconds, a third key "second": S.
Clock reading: {"hour": 6, "minute": 59}
